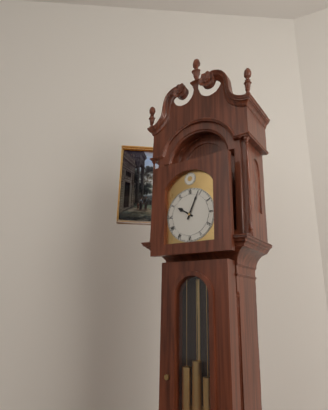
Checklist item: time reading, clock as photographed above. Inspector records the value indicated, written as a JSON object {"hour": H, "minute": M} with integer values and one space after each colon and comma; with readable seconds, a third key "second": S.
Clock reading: {"hour": 10, "minute": 4}
